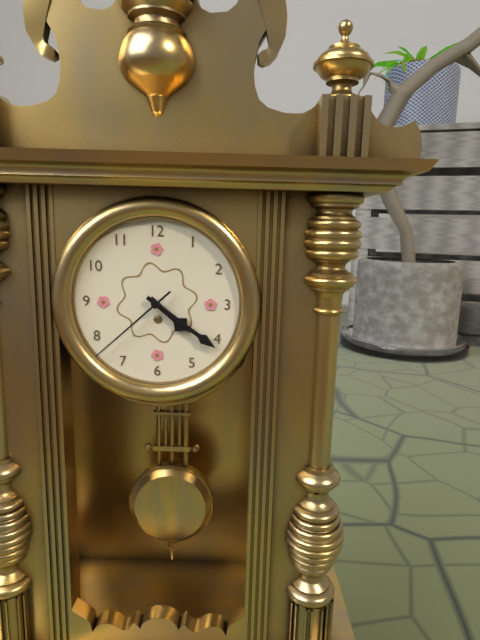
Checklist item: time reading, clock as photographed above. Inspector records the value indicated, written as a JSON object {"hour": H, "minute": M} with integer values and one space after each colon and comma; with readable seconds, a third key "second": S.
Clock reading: {"hour": 4, "minute": 21, "second": 38}
